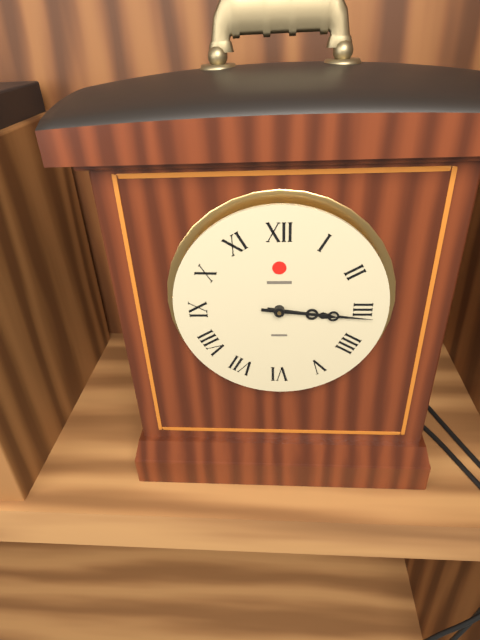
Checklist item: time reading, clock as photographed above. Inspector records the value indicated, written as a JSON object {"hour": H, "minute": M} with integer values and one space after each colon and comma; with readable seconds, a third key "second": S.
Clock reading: {"hour": 3, "minute": 16}
